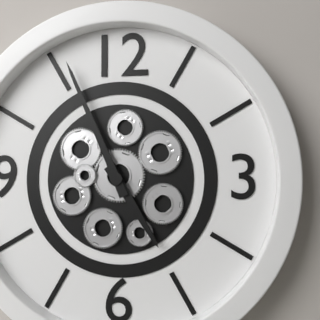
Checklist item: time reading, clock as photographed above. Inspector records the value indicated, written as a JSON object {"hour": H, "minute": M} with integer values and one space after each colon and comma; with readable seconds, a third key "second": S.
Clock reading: {"hour": 4, "minute": 56}
